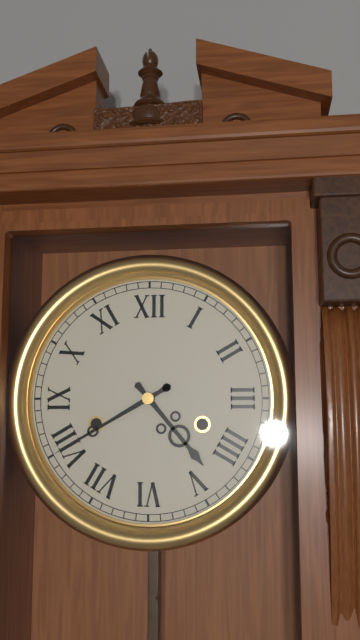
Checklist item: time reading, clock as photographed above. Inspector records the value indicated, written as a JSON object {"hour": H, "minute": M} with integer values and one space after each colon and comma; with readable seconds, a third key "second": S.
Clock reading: {"hour": 4, "minute": 40}
